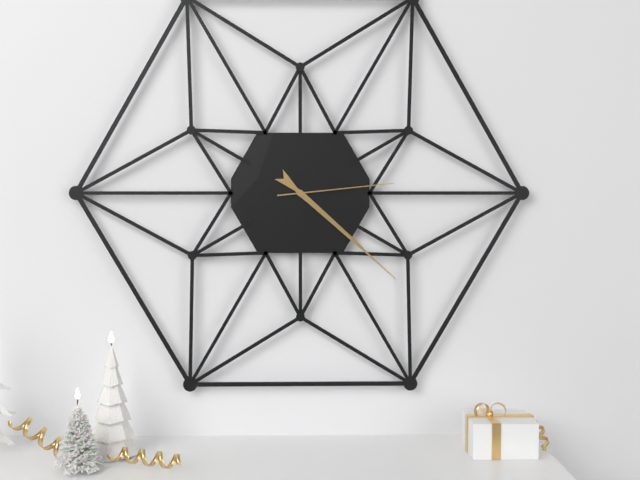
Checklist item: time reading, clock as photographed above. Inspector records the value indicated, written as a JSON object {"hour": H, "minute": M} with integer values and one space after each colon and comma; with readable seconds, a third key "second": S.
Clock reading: {"hour": 4, "minute": 22, "second": 14}
